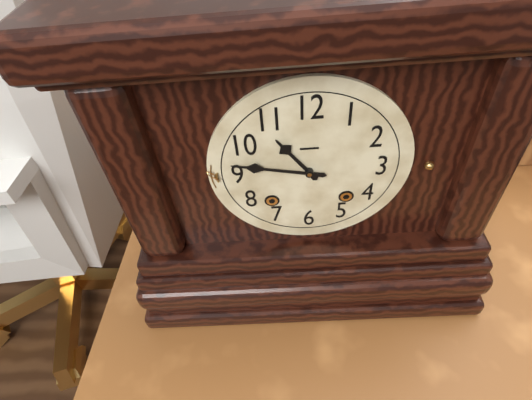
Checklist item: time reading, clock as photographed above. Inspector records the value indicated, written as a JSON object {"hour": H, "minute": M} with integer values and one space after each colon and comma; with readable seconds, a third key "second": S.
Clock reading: {"hour": 10, "minute": 47}
